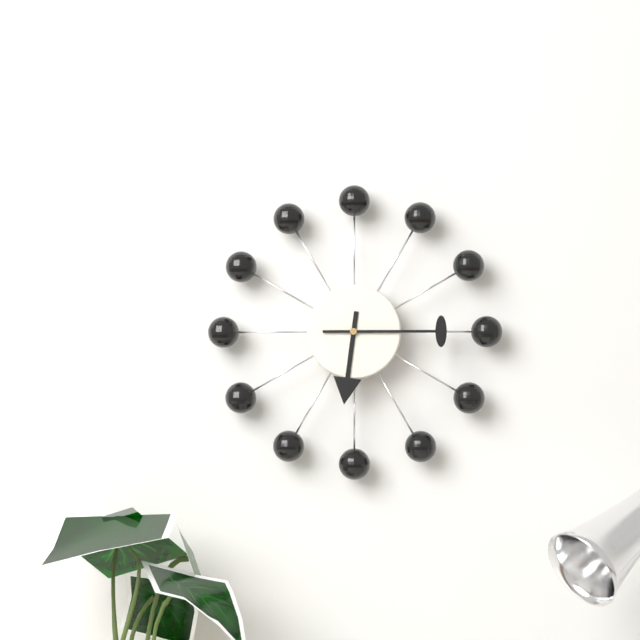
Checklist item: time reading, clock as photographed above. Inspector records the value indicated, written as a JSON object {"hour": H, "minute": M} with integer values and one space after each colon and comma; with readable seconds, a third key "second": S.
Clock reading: {"hour": 6, "minute": 15}
